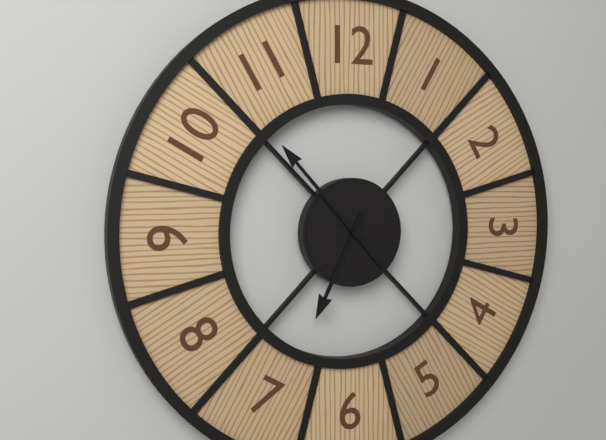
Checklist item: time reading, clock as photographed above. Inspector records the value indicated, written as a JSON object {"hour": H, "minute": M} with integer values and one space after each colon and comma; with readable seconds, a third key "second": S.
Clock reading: {"hour": 6, "minute": 53}
